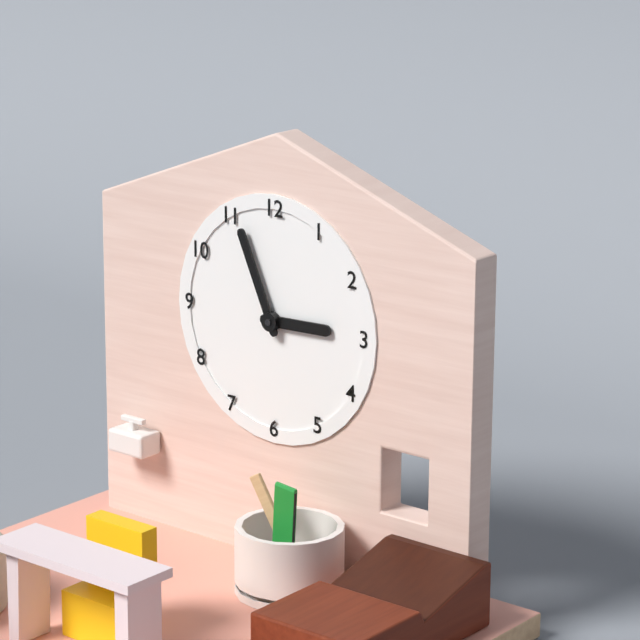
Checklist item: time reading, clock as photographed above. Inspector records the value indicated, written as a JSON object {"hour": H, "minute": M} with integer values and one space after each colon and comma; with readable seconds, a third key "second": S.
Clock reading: {"hour": 2, "minute": 56}
